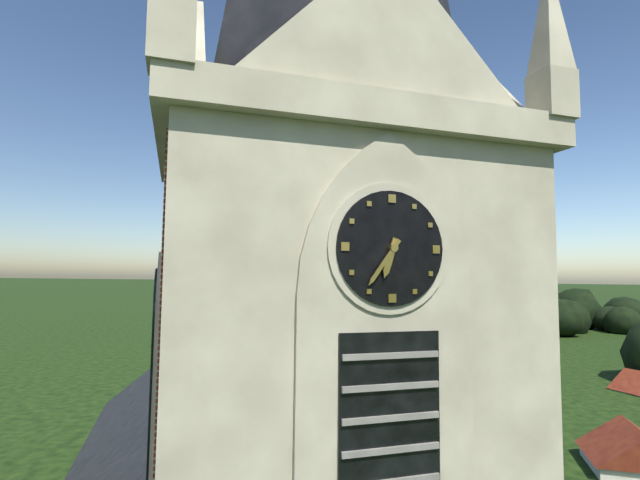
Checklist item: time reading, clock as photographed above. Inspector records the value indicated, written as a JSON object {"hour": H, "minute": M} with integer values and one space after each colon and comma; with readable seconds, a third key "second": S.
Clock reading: {"hour": 6, "minute": 36}
